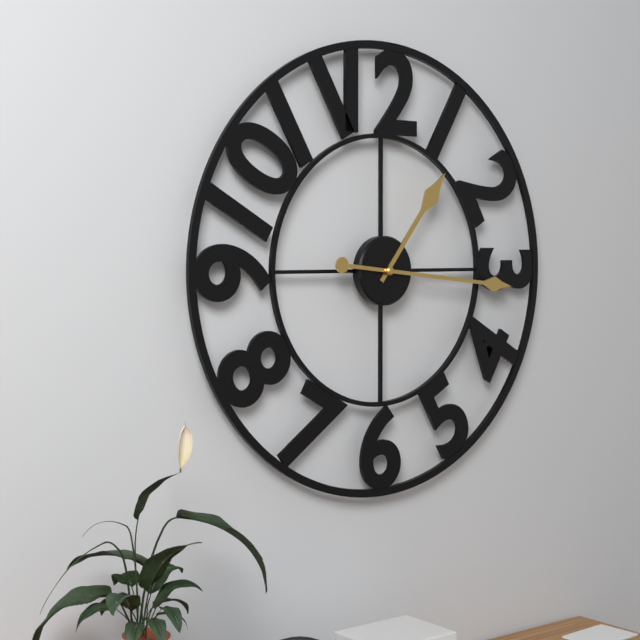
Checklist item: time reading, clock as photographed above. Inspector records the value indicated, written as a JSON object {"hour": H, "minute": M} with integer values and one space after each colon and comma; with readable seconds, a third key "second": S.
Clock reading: {"hour": 1, "minute": 16}
